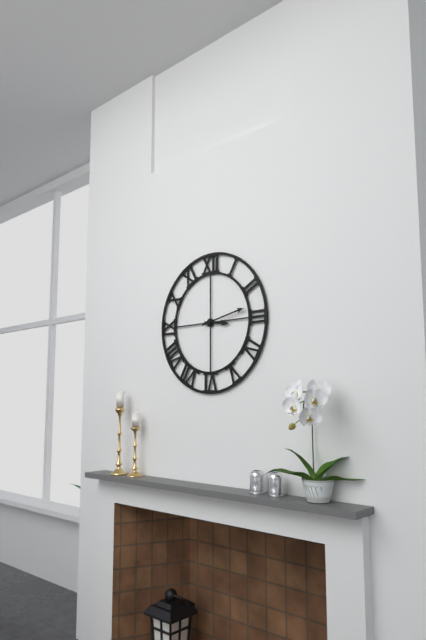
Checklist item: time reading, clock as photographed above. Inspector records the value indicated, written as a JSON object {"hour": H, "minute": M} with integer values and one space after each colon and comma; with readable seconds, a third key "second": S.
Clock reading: {"hour": 3, "minute": 13}
